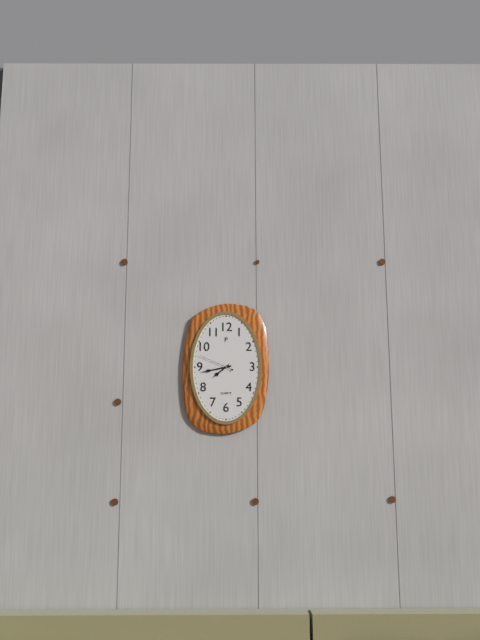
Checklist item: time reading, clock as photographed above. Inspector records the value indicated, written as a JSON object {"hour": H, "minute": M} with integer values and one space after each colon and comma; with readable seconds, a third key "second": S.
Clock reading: {"hour": 7, "minute": 43}
